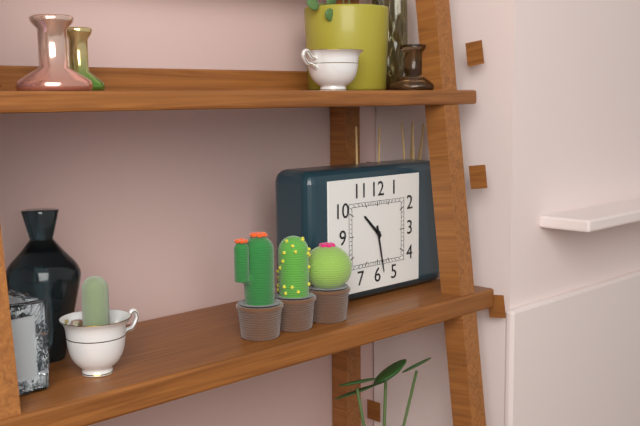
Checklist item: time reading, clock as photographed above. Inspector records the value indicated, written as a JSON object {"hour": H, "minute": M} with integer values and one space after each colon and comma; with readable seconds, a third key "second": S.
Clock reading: {"hour": 10, "minute": 28}
